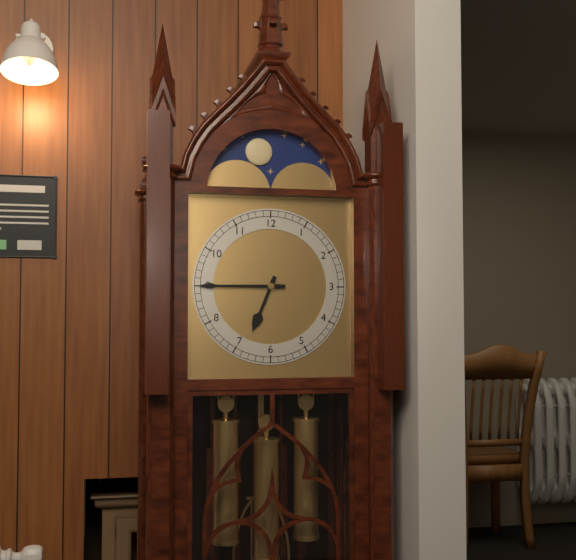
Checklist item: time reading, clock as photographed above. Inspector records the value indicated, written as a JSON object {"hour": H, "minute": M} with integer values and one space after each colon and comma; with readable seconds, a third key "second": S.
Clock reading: {"hour": 6, "minute": 45}
